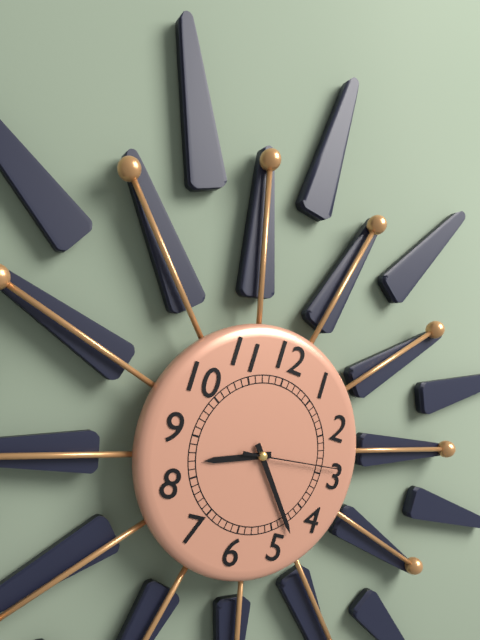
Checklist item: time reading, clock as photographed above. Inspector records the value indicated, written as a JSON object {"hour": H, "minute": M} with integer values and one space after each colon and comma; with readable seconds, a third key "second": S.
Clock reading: {"hour": 8, "minute": 23, "second": 14}
